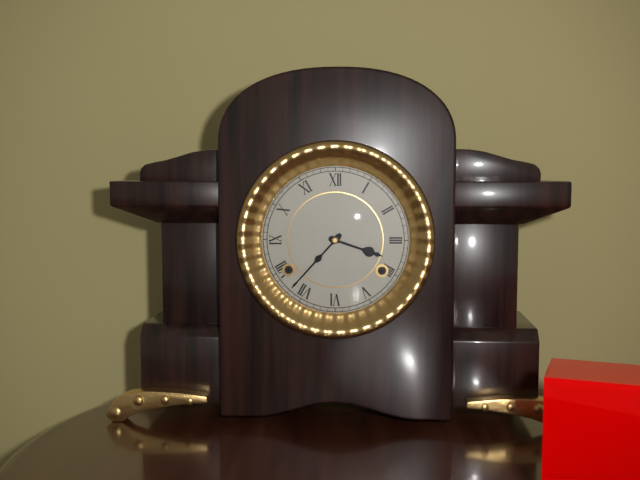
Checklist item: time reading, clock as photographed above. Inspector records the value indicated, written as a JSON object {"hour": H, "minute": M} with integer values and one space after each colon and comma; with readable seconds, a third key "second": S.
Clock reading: {"hour": 3, "minute": 37}
